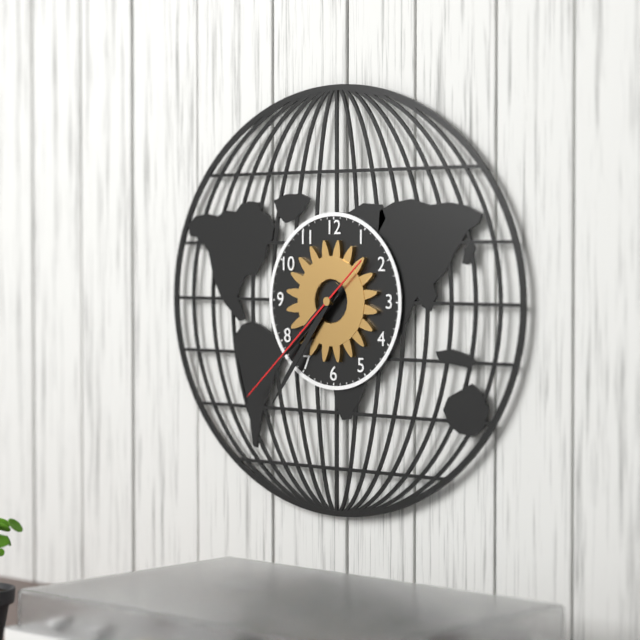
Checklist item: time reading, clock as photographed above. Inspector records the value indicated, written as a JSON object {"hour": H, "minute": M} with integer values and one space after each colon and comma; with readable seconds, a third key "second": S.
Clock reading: {"hour": 7, "minute": 36, "second": 38}
